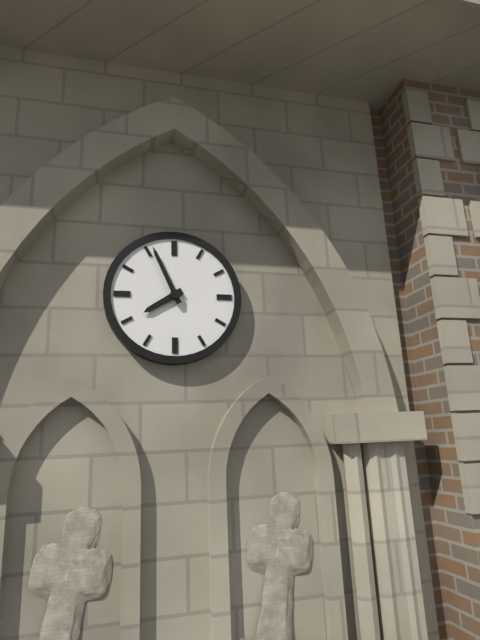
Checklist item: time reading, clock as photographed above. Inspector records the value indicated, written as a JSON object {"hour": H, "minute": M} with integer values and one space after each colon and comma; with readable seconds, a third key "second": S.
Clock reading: {"hour": 7, "minute": 56}
